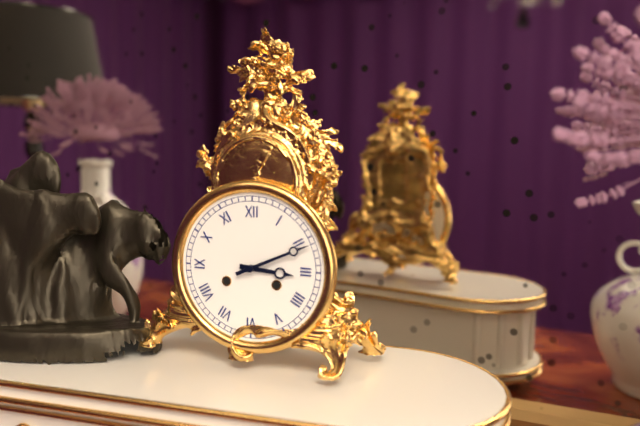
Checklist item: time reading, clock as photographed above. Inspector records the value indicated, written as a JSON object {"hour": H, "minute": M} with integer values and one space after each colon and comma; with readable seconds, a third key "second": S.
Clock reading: {"hour": 3, "minute": 11}
